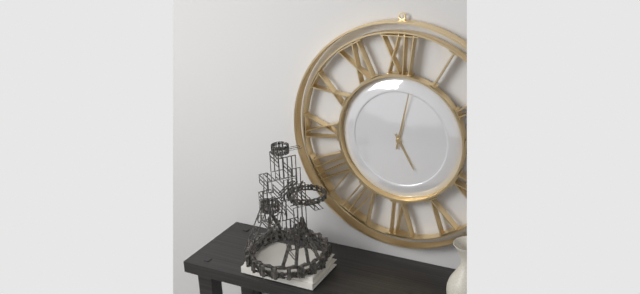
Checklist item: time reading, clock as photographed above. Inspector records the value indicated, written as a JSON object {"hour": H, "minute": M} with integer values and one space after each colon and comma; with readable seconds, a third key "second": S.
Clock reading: {"hour": 5, "minute": 2}
